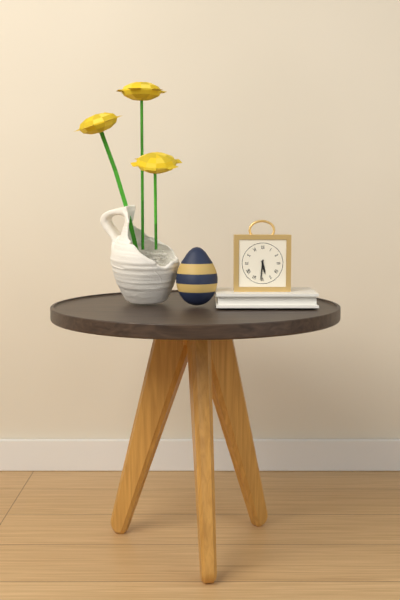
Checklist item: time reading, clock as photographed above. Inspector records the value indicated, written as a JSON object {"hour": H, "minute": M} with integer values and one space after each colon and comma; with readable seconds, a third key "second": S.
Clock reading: {"hour": 5, "minute": 31}
